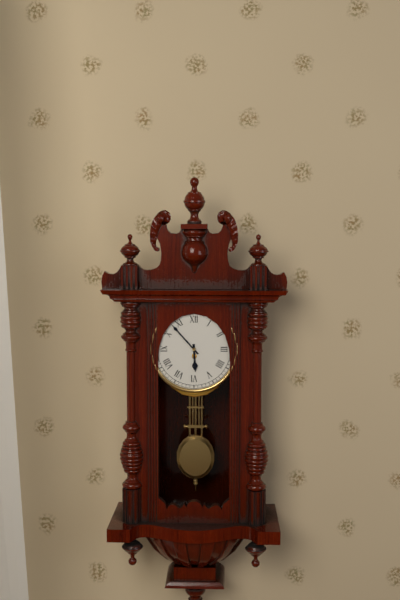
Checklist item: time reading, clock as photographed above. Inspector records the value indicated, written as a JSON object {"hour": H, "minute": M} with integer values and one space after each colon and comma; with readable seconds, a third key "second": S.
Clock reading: {"hour": 5, "minute": 53}
